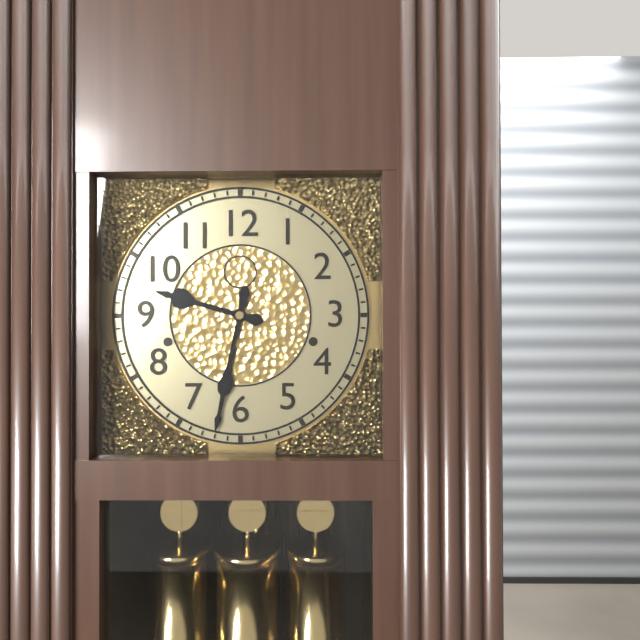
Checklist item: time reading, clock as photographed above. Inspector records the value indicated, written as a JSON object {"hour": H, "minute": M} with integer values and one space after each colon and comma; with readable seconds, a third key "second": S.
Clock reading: {"hour": 9, "minute": 32}
